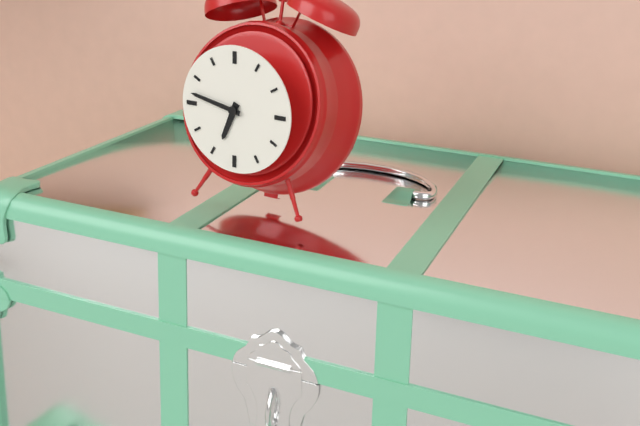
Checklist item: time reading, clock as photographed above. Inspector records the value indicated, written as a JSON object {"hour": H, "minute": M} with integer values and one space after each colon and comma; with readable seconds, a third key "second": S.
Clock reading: {"hour": 6, "minute": 47}
